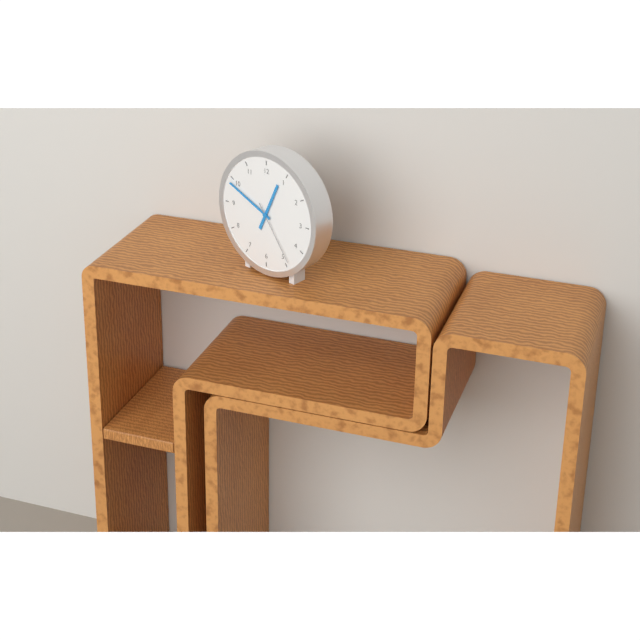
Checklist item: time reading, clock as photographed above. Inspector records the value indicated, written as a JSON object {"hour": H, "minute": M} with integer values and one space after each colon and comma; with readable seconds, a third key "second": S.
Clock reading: {"hour": 12, "minute": 49, "second": 24}
